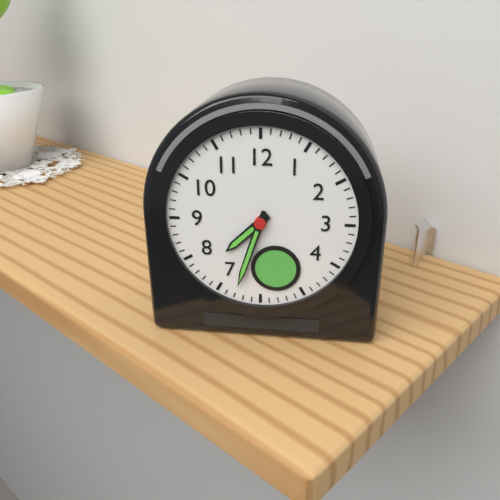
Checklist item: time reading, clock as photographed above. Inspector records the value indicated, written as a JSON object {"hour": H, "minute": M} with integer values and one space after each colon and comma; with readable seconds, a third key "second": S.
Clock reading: {"hour": 7, "minute": 33}
